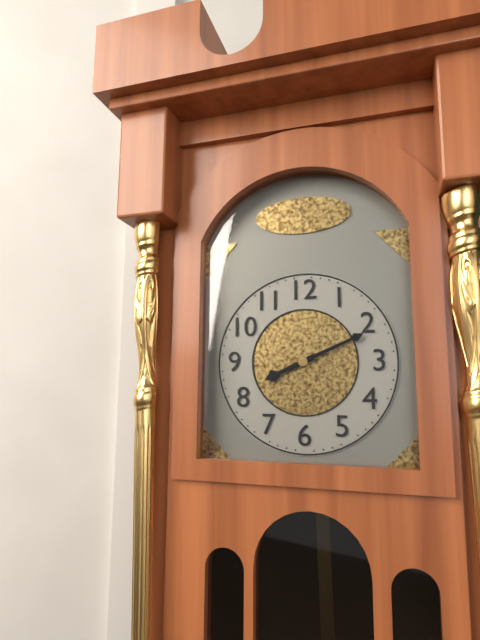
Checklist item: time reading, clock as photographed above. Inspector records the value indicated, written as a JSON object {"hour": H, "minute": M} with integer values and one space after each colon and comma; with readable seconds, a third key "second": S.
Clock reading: {"hour": 8, "minute": 11}
